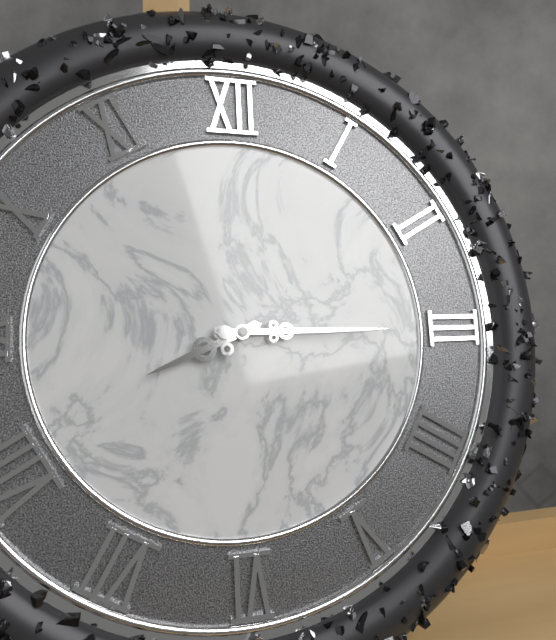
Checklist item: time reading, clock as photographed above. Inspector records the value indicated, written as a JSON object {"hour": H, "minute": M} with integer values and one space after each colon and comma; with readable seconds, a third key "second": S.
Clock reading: {"hour": 8, "minute": 15}
